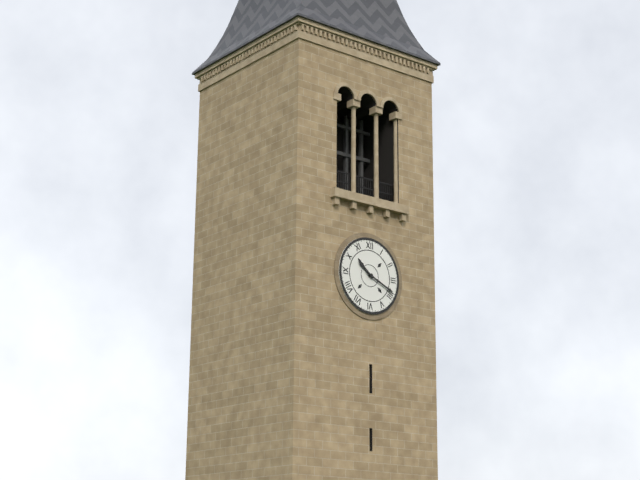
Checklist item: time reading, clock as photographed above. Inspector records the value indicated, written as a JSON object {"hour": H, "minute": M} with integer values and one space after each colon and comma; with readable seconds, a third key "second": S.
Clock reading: {"hour": 10, "minute": 19}
